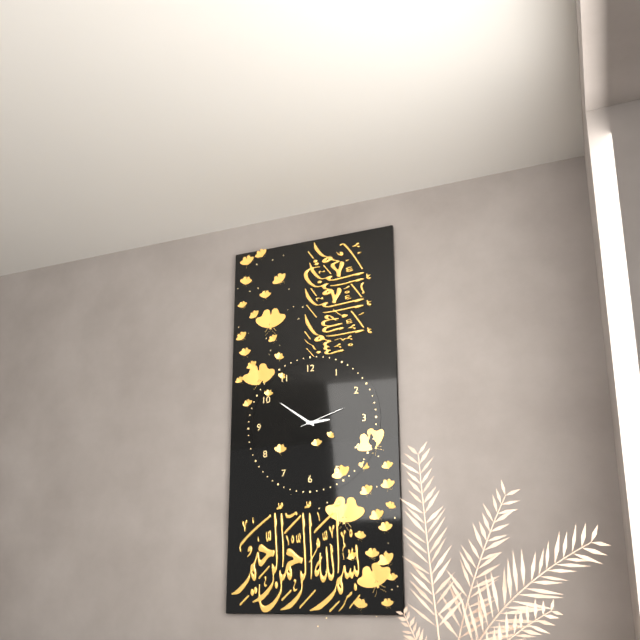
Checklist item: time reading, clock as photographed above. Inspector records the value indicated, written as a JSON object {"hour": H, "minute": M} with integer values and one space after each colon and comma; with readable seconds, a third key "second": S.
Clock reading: {"hour": 2, "minute": 51}
